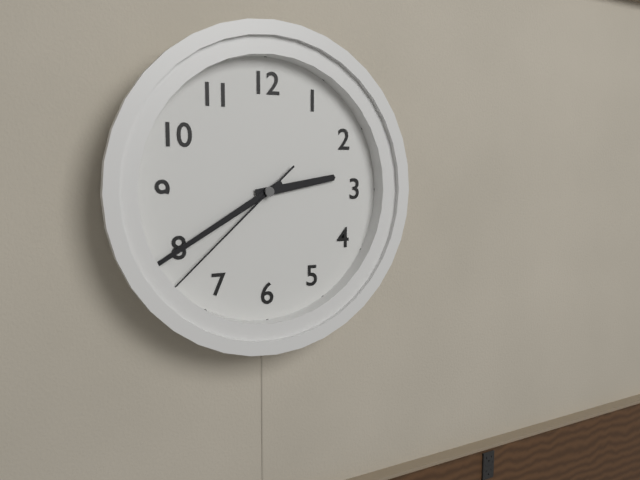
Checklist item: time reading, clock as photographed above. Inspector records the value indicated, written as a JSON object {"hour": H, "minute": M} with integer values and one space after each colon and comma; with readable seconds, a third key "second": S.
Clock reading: {"hour": 2, "minute": 40, "second": 38}
